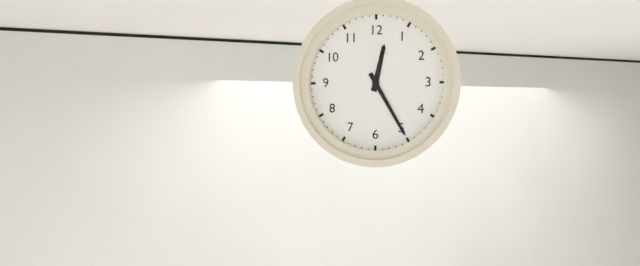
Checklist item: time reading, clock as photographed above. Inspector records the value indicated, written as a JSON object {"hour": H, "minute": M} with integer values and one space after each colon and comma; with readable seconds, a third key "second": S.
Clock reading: {"hour": 12, "minute": 25}
